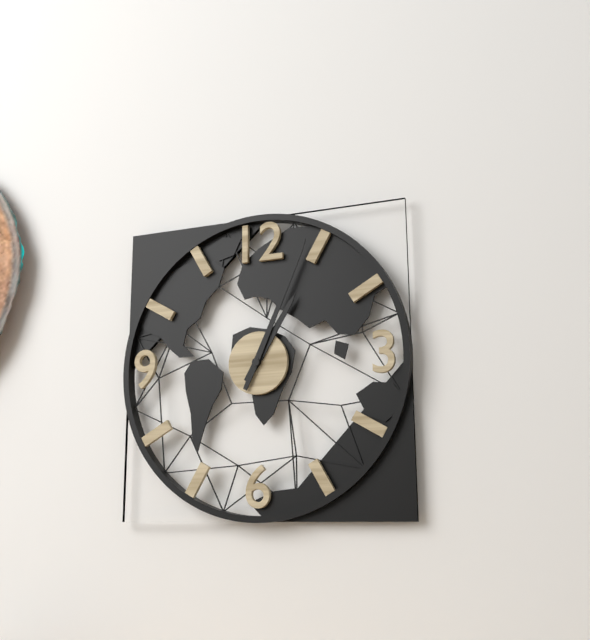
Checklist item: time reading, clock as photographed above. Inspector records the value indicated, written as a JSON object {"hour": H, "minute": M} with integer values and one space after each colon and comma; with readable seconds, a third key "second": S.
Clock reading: {"hour": 1, "minute": 4}
